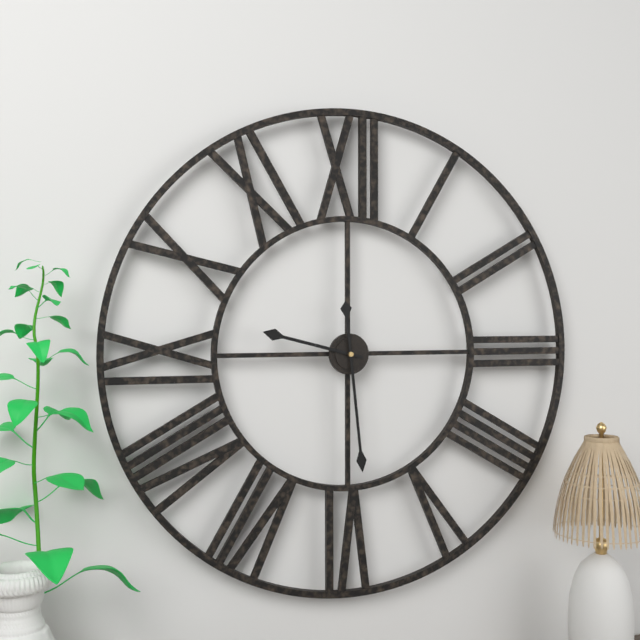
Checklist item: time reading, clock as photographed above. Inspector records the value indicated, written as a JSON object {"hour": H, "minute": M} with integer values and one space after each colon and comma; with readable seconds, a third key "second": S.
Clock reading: {"hour": 9, "minute": 29}
